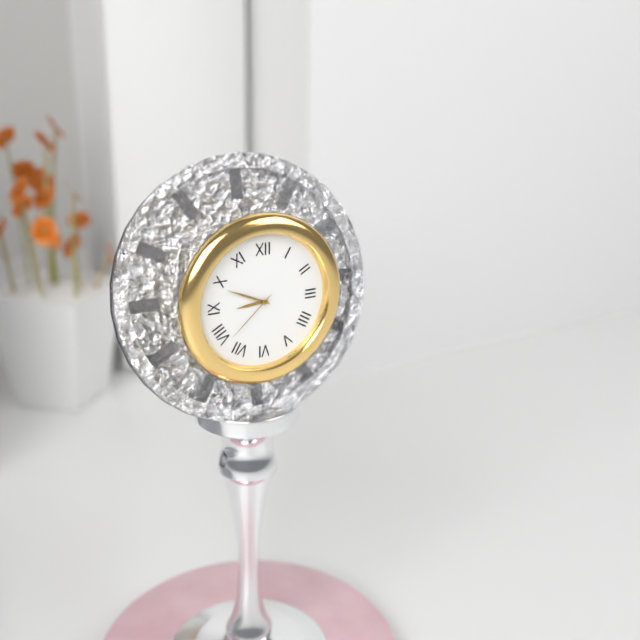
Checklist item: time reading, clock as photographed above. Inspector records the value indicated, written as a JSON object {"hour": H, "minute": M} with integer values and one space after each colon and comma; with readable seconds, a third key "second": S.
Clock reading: {"hour": 8, "minute": 49, "second": 38}
